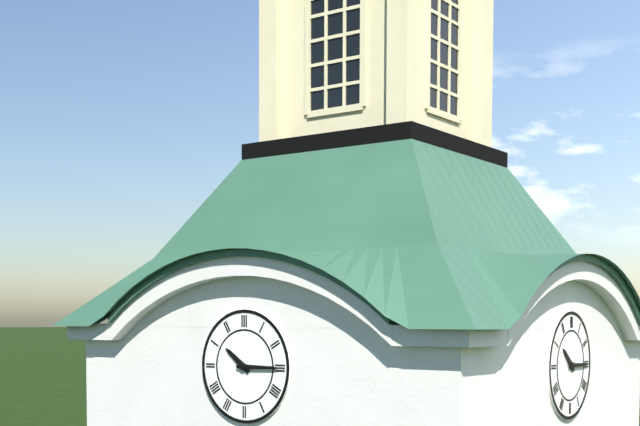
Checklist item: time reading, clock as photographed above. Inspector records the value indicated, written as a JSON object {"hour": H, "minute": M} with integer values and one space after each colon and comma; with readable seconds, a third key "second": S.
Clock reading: {"hour": 10, "minute": 15}
